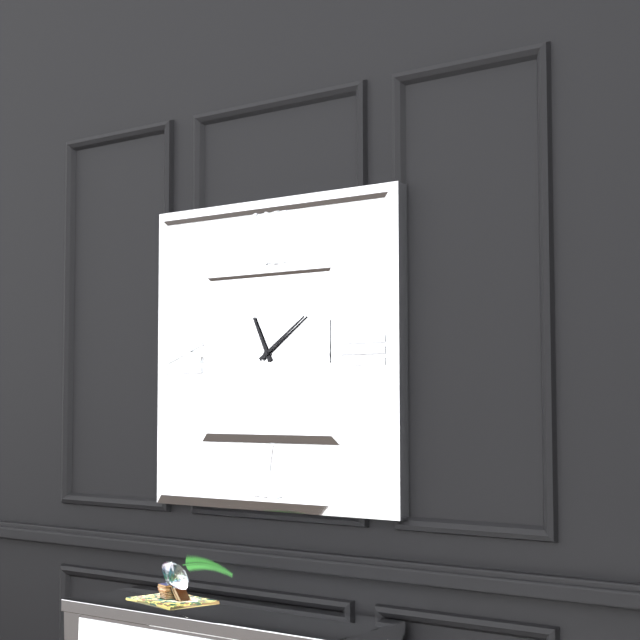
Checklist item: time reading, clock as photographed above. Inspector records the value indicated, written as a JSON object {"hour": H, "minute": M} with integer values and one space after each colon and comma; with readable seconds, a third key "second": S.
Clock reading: {"hour": 11, "minute": 9}
